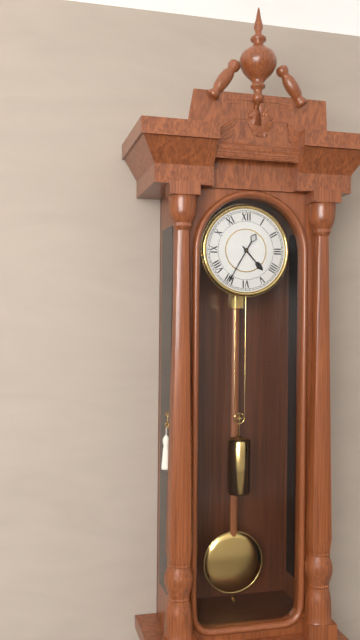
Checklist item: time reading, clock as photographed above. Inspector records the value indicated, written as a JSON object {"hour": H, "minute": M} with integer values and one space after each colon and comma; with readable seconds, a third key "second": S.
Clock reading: {"hour": 4, "minute": 35}
